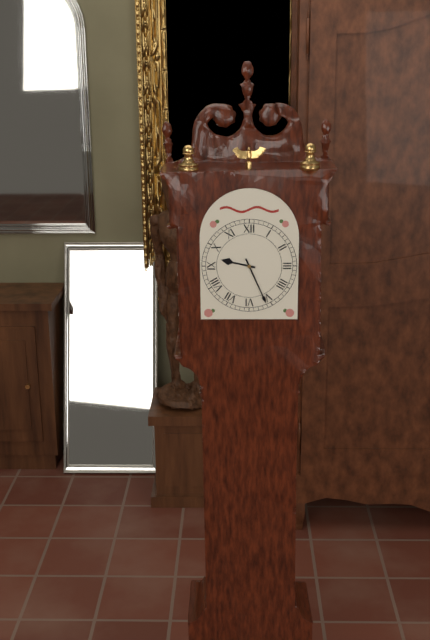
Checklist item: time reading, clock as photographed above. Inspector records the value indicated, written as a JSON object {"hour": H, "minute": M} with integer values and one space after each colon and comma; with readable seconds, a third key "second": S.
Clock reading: {"hour": 9, "minute": 26}
